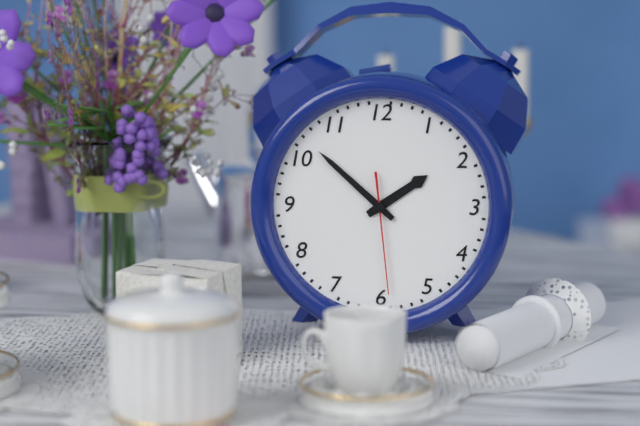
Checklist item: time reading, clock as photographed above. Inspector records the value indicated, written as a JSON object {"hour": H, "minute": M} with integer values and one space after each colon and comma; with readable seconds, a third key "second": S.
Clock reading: {"hour": 1, "minute": 52, "second": 29}
